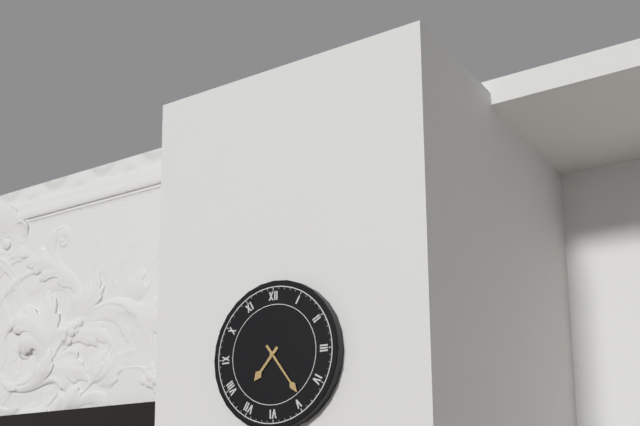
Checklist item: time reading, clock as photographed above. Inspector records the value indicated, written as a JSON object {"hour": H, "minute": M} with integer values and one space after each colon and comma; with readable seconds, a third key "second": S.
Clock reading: {"hour": 7, "minute": 24}
